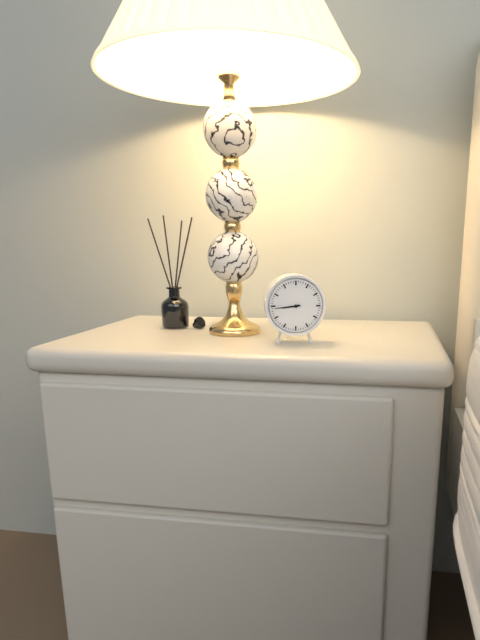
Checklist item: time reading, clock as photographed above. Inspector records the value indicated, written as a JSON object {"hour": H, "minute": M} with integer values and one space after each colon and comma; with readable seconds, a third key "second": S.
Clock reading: {"hour": 8, "minute": 44}
